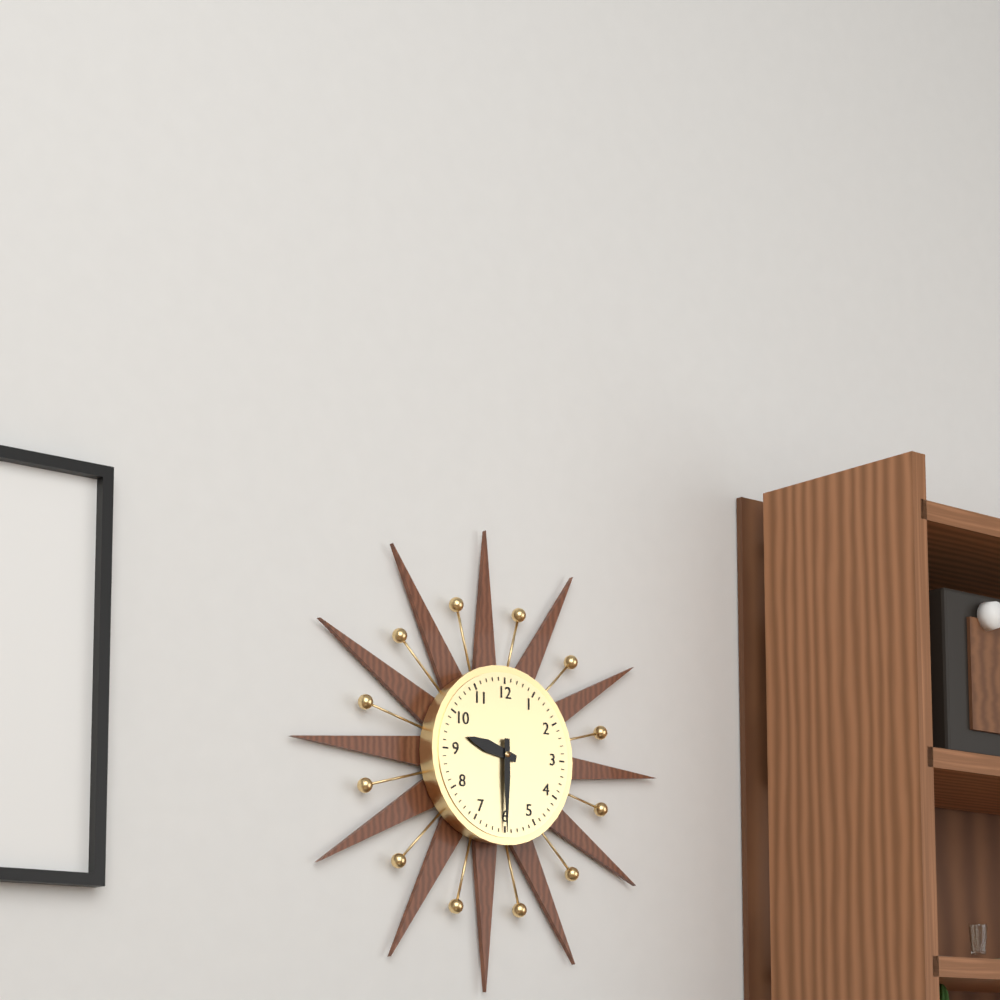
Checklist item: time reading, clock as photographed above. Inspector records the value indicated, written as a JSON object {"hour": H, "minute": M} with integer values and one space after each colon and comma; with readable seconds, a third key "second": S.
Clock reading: {"hour": 9, "minute": 30}
